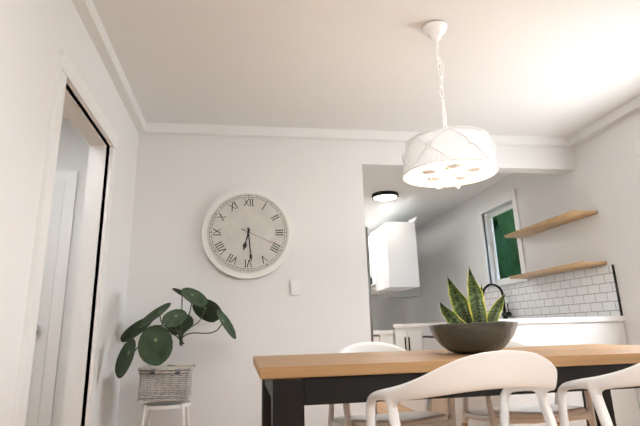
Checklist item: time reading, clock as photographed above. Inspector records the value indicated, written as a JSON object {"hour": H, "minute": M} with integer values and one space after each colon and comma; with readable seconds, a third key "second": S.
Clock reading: {"hour": 6, "minute": 29}
